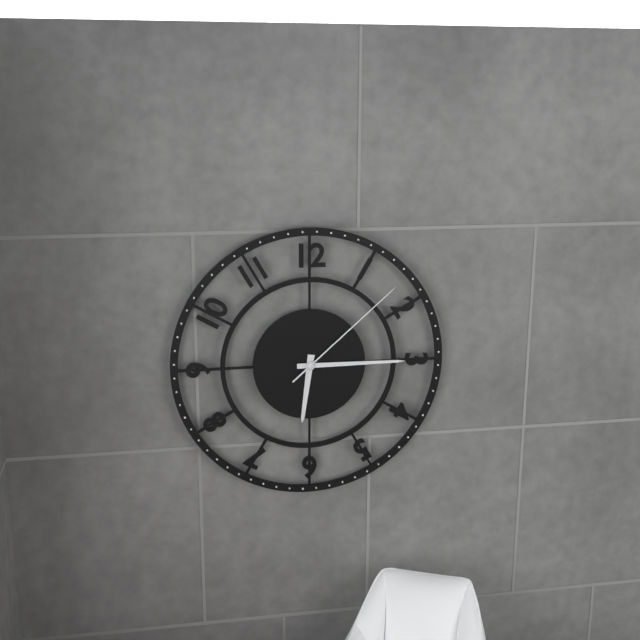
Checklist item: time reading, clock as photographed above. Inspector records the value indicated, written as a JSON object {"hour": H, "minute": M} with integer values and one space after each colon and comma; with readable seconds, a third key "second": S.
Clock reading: {"hour": 6, "minute": 15, "second": 8}
